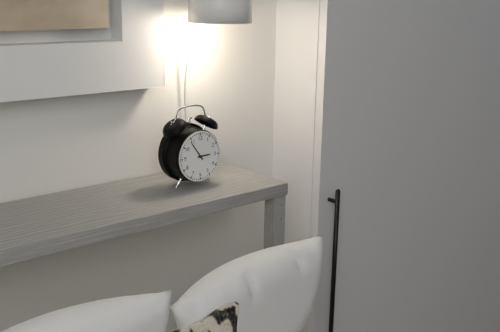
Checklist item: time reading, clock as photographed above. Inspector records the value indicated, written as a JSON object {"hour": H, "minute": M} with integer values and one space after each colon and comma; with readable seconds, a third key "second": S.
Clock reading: {"hour": 2, "minute": 54}
